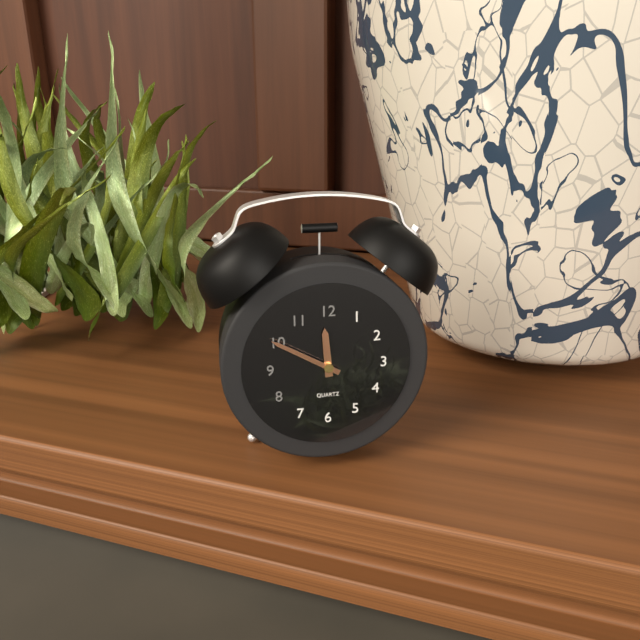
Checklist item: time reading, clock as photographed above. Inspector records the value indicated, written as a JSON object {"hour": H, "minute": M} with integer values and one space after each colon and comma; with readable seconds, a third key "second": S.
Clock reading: {"hour": 11, "minute": 50}
